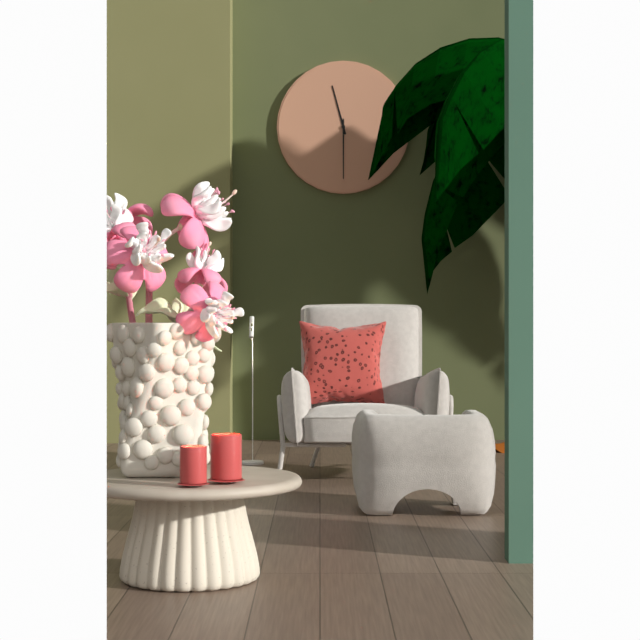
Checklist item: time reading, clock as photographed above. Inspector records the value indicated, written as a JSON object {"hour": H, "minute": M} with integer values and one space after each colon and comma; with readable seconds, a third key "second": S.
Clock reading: {"hour": 11, "minute": 30}
